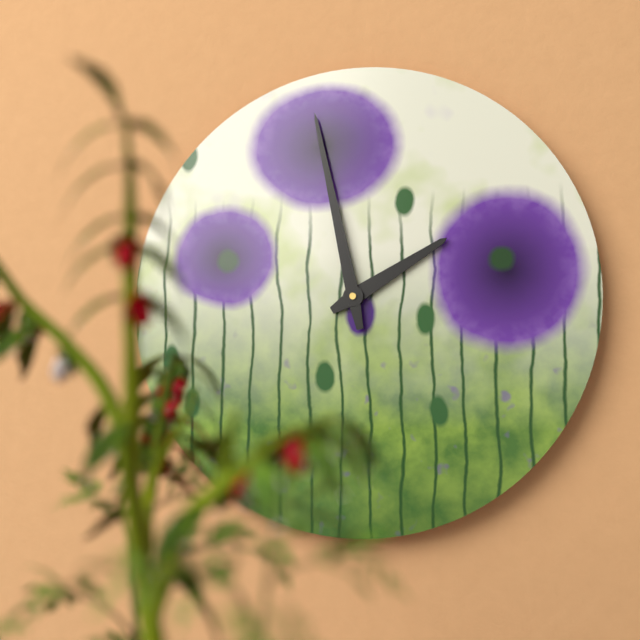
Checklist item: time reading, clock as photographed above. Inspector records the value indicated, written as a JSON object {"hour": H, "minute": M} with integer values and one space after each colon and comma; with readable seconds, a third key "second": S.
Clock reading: {"hour": 1, "minute": 58}
